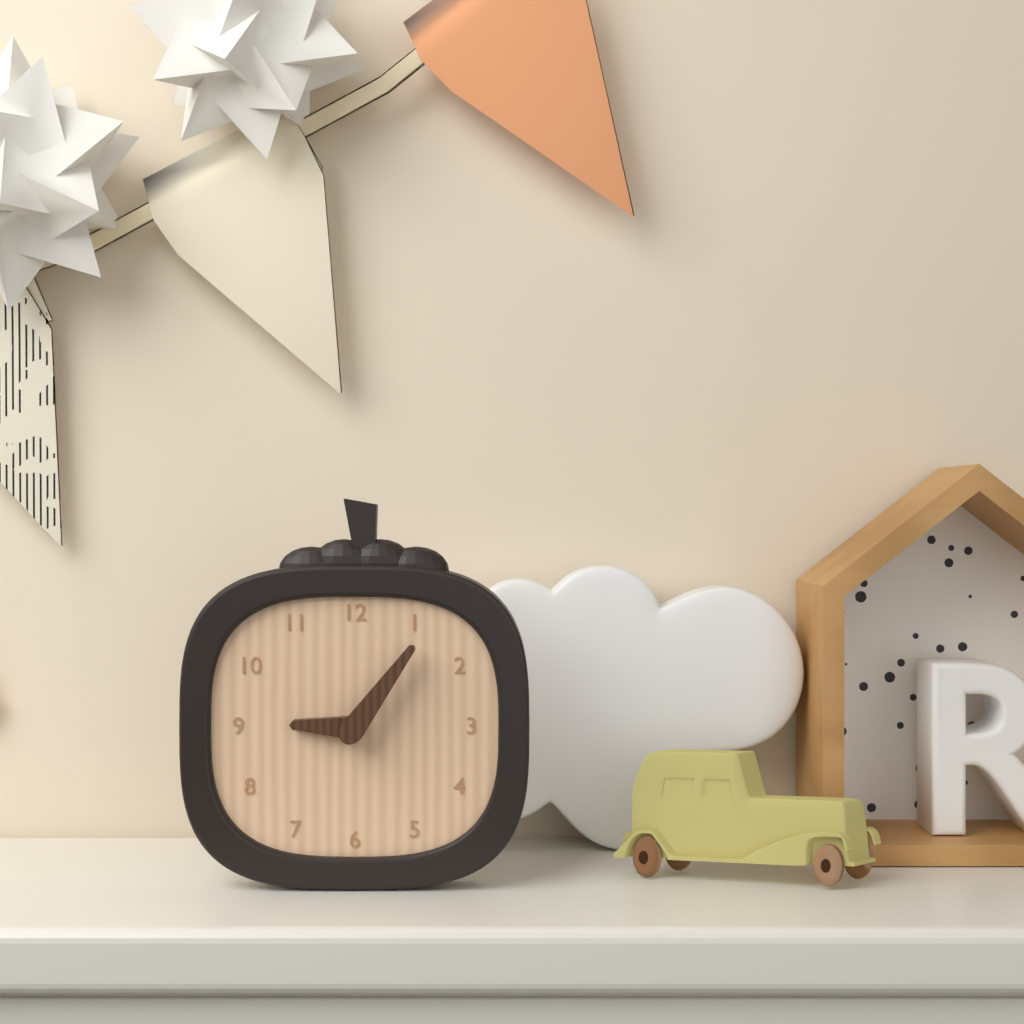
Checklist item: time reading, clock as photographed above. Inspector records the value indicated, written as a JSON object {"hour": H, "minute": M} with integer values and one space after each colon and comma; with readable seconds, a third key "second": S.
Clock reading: {"hour": 9, "minute": 6}
